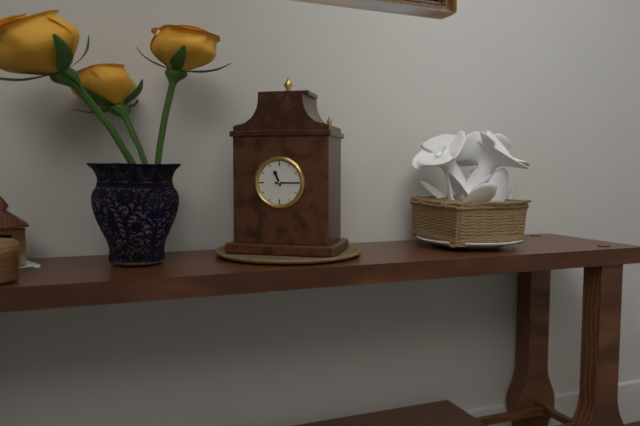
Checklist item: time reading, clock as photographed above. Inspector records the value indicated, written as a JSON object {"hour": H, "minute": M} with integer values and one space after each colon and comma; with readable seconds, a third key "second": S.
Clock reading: {"hour": 11, "minute": 15}
